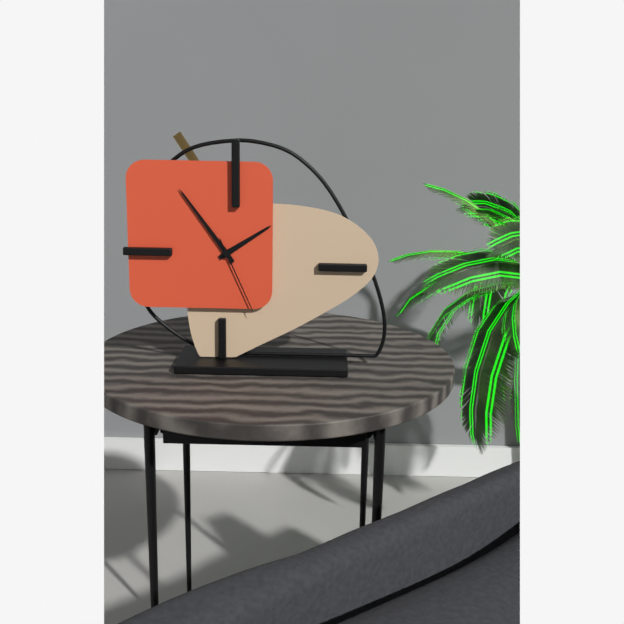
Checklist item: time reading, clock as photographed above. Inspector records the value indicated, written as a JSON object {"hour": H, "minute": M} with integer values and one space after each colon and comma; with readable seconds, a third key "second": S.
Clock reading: {"hour": 1, "minute": 54, "second": 26}
